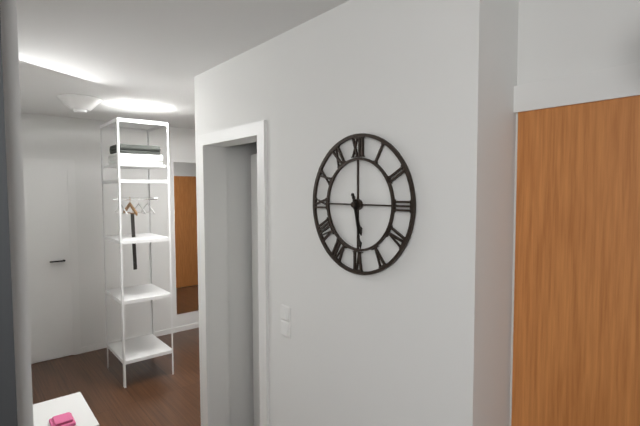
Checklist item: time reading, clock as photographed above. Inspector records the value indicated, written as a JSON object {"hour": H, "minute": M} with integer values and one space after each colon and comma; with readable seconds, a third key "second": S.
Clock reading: {"hour": 5, "minute": 28}
